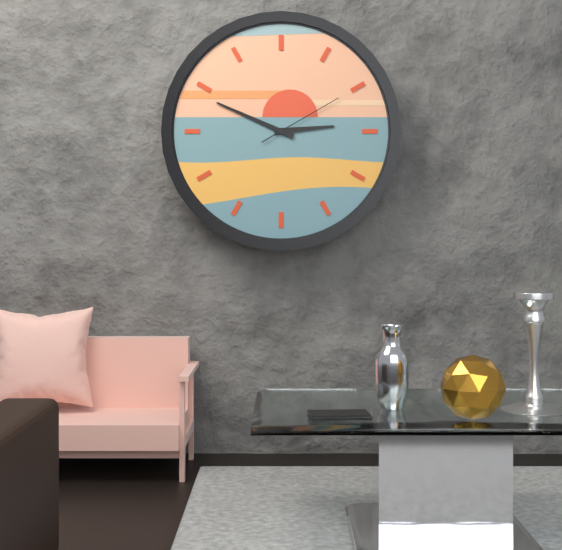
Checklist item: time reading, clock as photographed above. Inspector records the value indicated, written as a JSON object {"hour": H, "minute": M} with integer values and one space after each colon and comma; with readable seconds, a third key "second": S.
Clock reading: {"hour": 2, "minute": 49, "second": 10}
